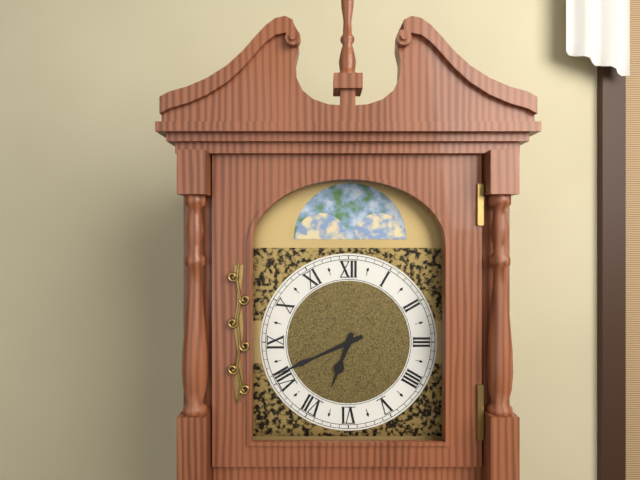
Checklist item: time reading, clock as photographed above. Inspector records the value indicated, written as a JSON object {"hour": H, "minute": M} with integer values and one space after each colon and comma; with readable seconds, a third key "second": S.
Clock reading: {"hour": 6, "minute": 41}
